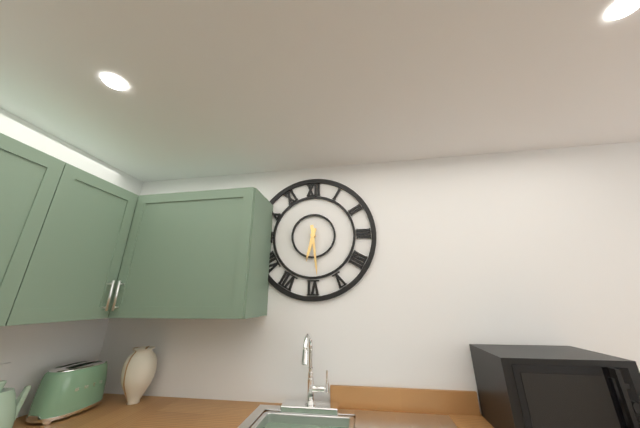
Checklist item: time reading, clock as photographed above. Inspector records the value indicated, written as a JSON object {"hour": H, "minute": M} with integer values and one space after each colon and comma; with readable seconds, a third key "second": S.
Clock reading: {"hour": 6, "minute": 29}
